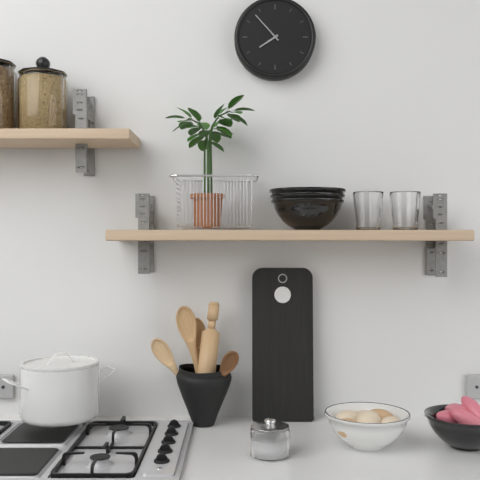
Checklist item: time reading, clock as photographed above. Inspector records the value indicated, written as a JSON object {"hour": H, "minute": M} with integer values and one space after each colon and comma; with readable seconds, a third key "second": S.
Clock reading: {"hour": 7, "minute": 53}
